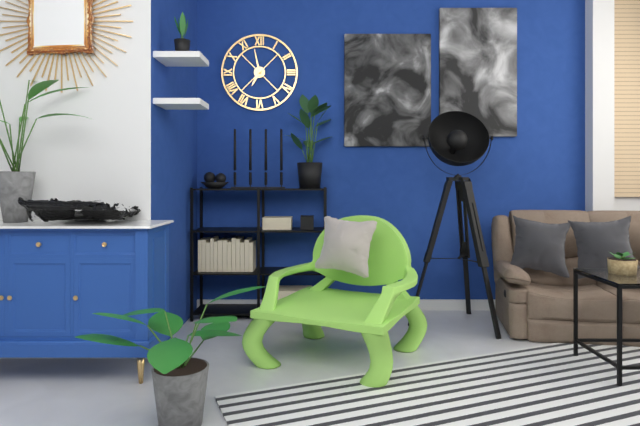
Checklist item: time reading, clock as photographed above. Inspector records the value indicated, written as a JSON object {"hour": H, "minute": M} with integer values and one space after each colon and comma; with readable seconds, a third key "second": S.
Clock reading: {"hour": 6, "minute": 58}
